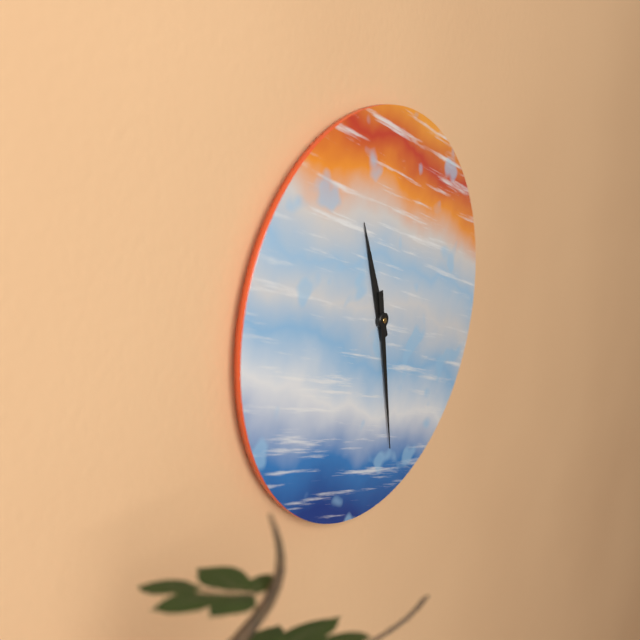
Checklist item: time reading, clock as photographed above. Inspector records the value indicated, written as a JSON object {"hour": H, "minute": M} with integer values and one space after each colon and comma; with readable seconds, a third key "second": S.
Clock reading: {"hour": 11, "minute": 29}
